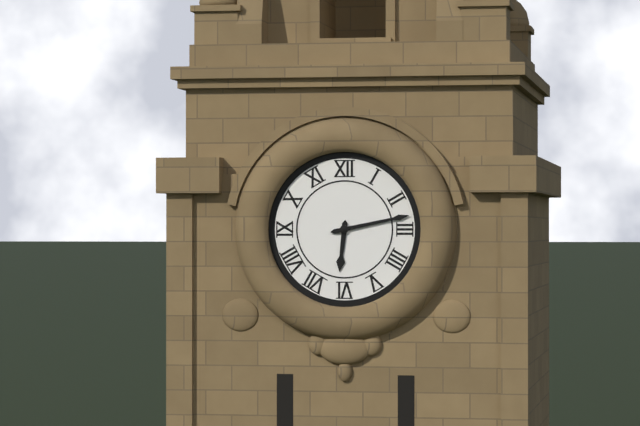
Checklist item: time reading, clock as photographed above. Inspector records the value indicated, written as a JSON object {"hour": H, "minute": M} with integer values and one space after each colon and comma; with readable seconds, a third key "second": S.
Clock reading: {"hour": 6, "minute": 13}
